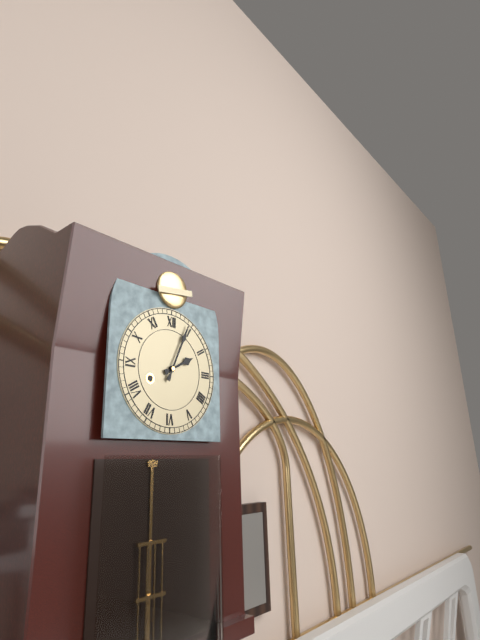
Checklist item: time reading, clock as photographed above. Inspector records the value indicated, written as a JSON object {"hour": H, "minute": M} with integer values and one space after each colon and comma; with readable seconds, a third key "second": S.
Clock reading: {"hour": 2, "minute": 4}
